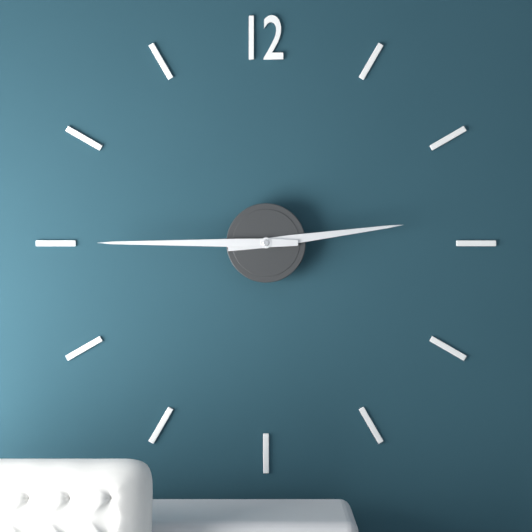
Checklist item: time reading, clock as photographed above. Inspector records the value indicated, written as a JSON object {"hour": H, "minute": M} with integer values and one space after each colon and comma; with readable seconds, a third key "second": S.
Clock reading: {"hour": 2, "minute": 45}
